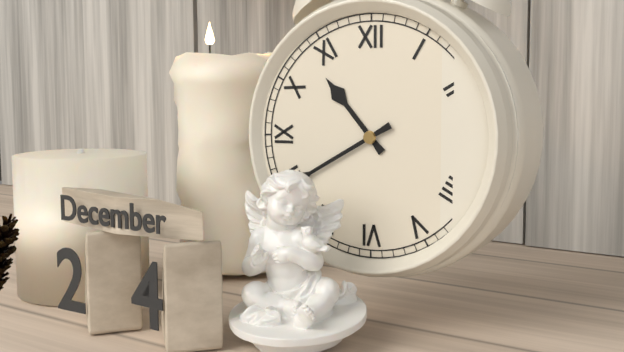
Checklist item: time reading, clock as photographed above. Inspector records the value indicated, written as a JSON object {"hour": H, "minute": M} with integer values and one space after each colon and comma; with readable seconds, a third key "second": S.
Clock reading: {"hour": 10, "minute": 40}
